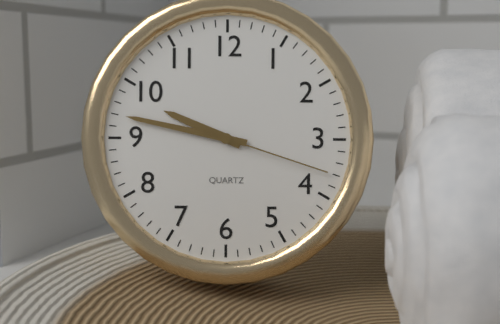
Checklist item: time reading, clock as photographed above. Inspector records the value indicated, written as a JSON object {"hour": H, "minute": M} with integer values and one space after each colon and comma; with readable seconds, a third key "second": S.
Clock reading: {"hour": 9, "minute": 47, "second": 18}
